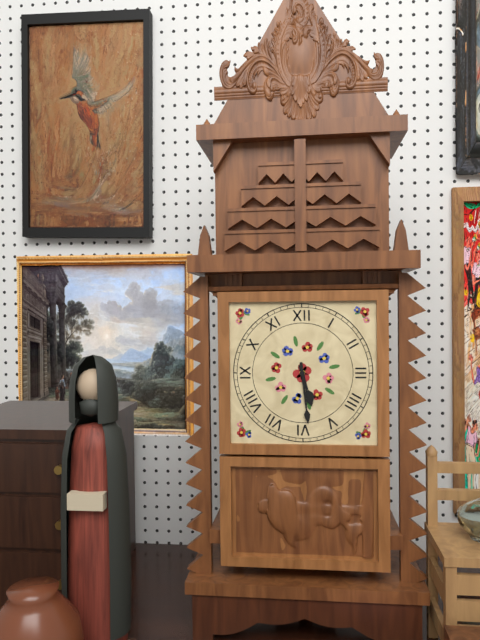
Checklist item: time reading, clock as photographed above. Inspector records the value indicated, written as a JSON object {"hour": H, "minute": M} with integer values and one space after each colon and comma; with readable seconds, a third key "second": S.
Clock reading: {"hour": 5, "minute": 29}
